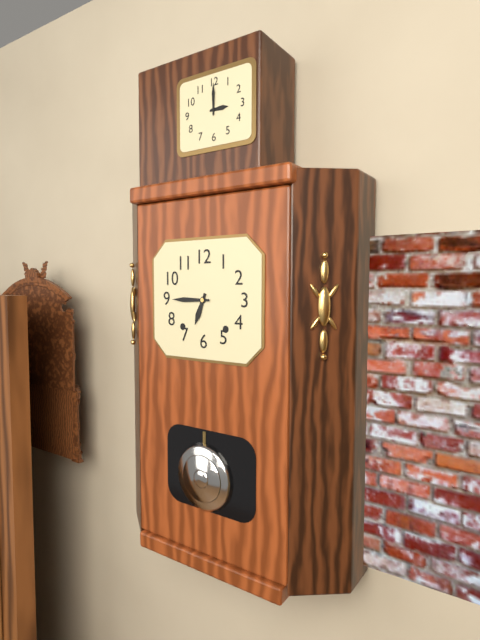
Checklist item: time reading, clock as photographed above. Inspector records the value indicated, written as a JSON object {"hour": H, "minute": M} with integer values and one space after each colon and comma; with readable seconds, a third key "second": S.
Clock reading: {"hour": 6, "minute": 45}
